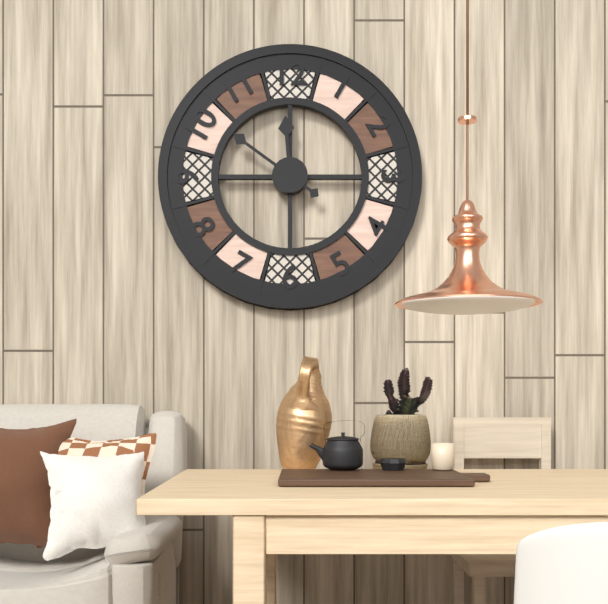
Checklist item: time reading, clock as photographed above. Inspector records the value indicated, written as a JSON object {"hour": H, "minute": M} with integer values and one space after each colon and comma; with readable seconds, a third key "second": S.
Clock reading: {"hour": 11, "minute": 51}
